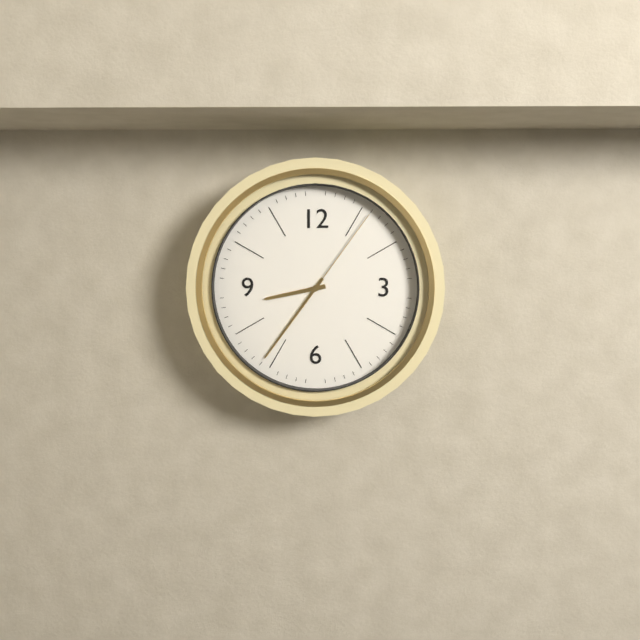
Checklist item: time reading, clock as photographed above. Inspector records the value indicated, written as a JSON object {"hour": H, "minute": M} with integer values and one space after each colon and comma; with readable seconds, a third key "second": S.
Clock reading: {"hour": 8, "minute": 36, "second": 6}
